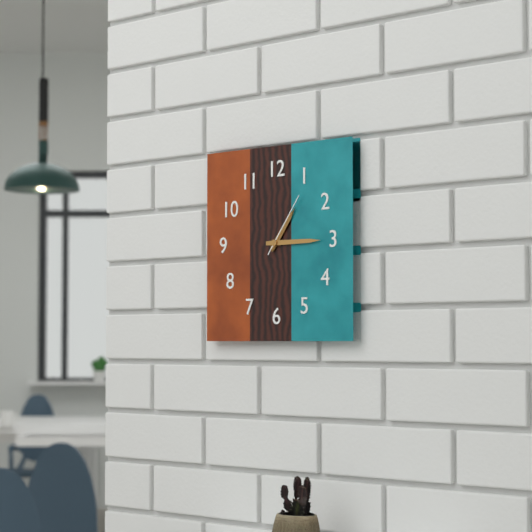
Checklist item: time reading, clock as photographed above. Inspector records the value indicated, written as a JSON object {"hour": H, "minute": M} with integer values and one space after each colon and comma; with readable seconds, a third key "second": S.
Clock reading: {"hour": 1, "minute": 15, "second": 6}
